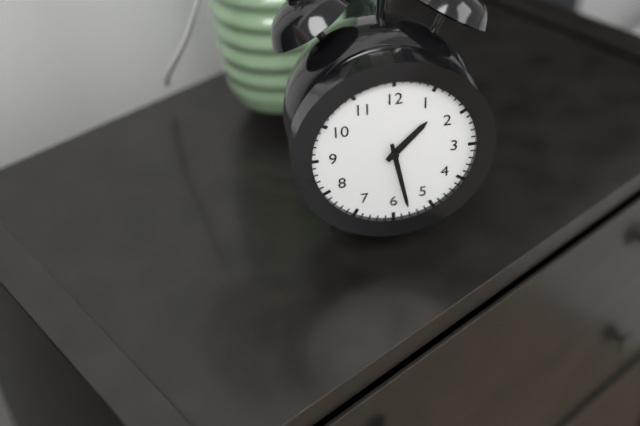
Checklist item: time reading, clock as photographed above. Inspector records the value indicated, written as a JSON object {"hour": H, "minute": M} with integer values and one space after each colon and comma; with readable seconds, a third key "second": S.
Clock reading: {"hour": 1, "minute": 28}
